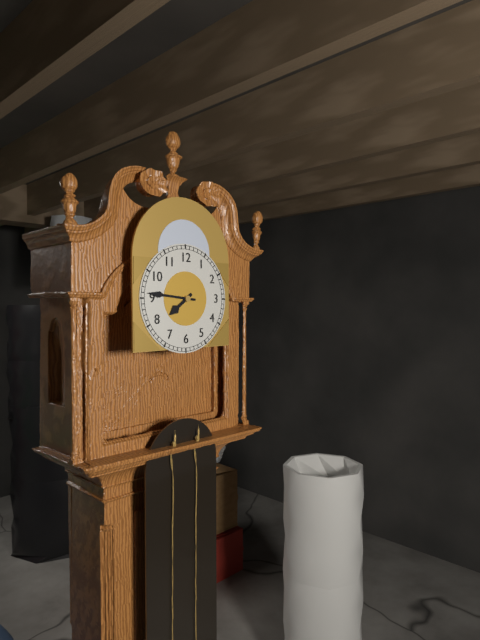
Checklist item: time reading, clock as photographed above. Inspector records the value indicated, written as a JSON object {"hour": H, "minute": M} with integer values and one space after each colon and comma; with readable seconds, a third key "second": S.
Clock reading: {"hour": 7, "minute": 46}
